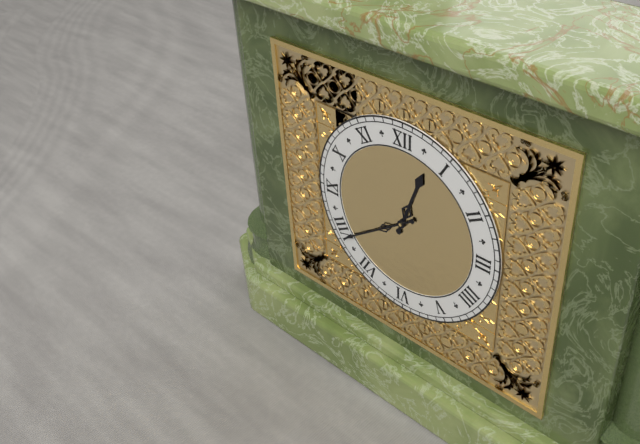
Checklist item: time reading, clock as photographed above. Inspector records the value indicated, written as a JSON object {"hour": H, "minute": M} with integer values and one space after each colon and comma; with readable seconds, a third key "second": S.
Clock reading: {"hour": 12, "minute": 39}
